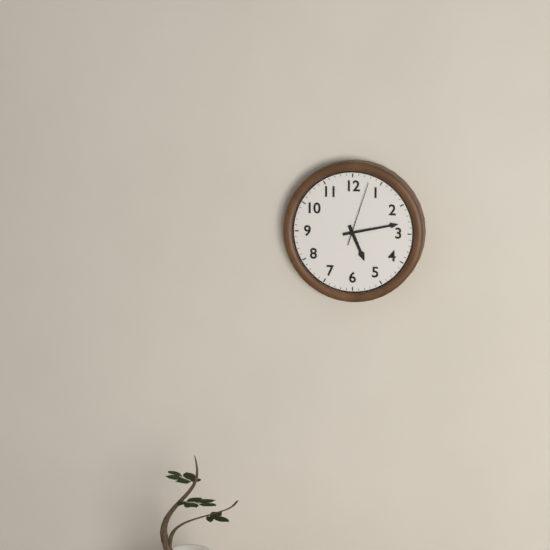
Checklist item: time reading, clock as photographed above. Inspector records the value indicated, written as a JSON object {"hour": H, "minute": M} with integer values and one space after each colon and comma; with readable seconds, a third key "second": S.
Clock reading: {"hour": 5, "minute": 13, "second": 3}
